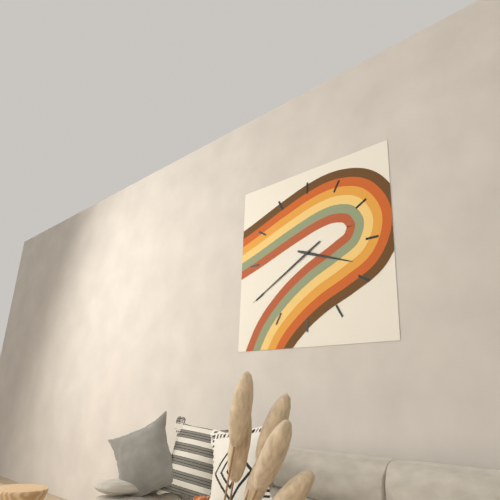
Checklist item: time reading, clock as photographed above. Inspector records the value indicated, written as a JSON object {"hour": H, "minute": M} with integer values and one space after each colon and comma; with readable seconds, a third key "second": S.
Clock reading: {"hour": 3, "minute": 40}
